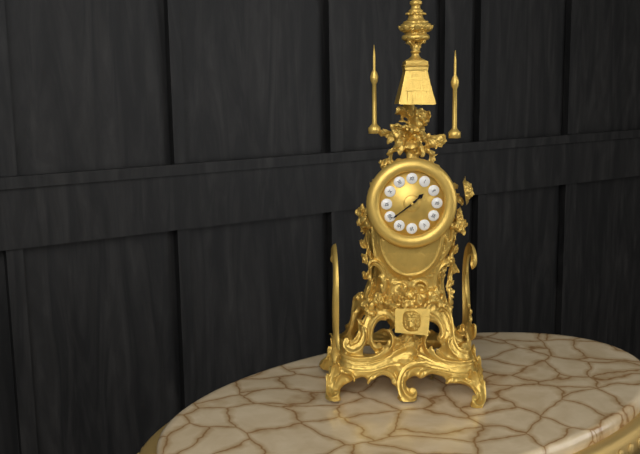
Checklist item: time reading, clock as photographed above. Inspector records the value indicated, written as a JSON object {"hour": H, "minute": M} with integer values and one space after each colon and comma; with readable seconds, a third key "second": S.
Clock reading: {"hour": 1, "minute": 39}
